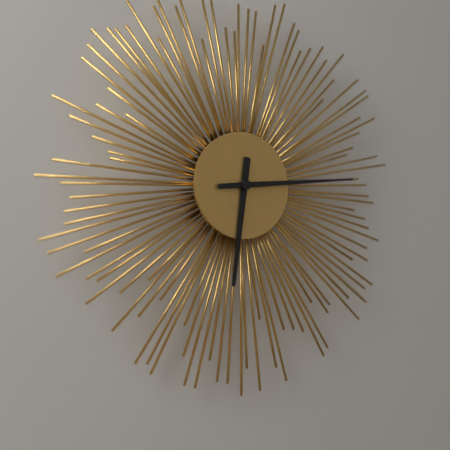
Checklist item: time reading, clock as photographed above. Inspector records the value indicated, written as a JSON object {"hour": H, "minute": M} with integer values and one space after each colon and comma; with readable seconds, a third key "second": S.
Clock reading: {"hour": 6, "minute": 14}
